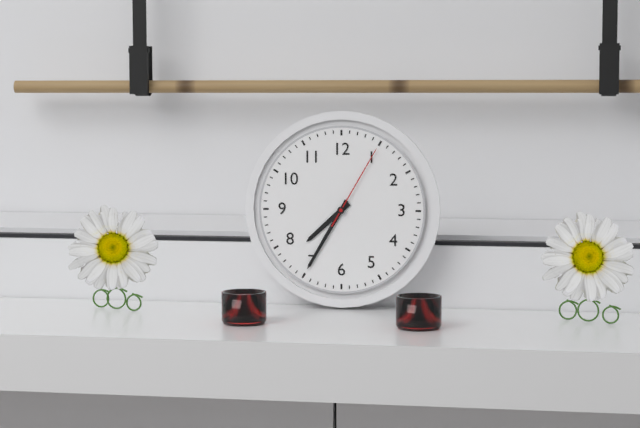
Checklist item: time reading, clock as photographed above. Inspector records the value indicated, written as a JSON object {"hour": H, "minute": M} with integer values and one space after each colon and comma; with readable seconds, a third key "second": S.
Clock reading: {"hour": 7, "minute": 35, "second": 5}
